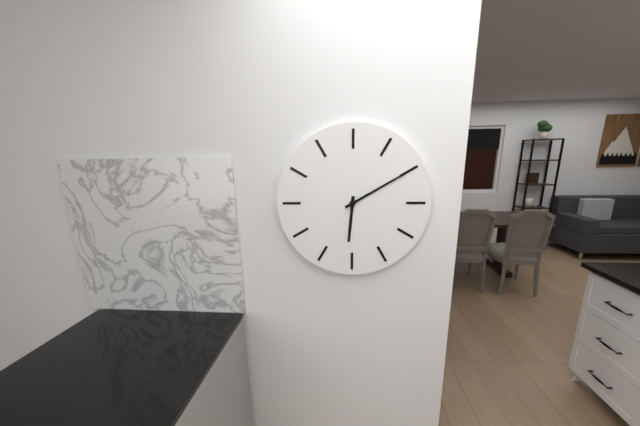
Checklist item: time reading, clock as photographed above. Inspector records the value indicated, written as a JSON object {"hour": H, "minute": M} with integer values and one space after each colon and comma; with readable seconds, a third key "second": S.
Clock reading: {"hour": 6, "minute": 10}
